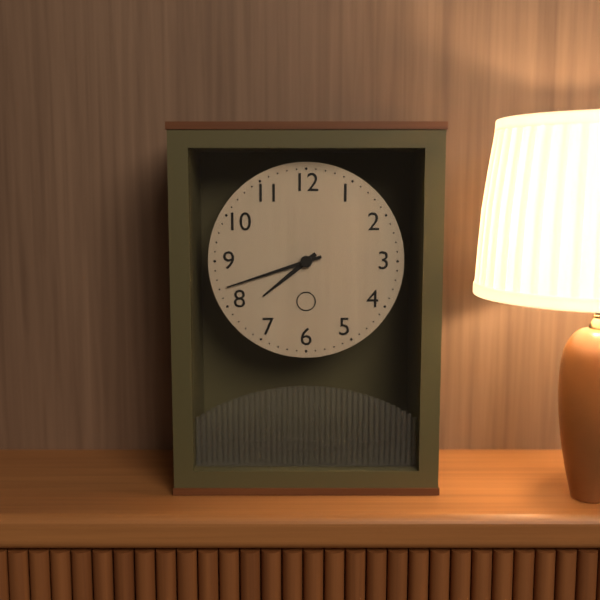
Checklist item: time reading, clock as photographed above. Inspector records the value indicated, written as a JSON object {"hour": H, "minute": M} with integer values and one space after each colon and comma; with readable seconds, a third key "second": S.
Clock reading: {"hour": 7, "minute": 42}
